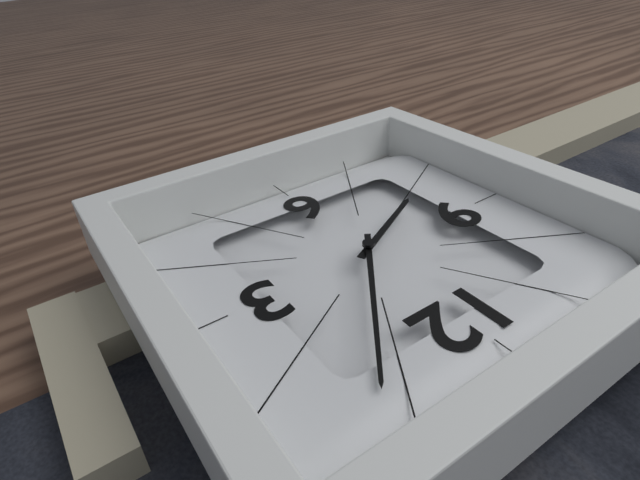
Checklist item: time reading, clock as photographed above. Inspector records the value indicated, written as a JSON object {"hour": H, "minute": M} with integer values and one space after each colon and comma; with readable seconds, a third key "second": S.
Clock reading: {"hour": 8, "minute": 6}
